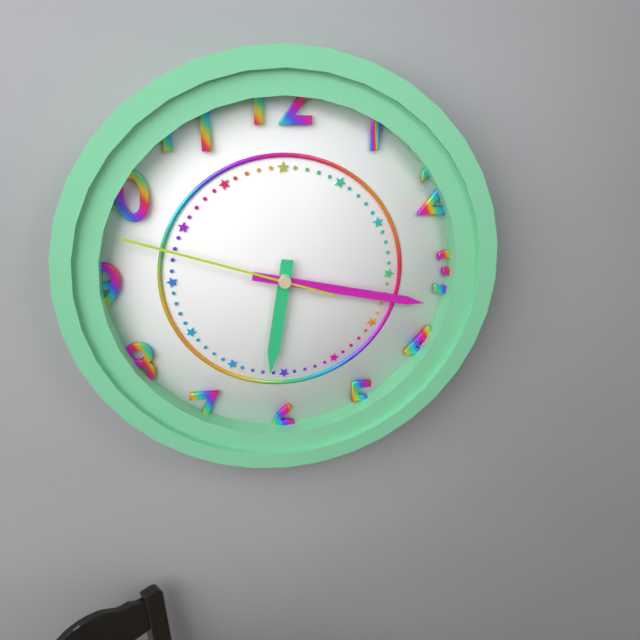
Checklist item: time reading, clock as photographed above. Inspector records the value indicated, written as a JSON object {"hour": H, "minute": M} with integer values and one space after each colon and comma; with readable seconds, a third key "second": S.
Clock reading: {"hour": 6, "minute": 17, "second": 48}
